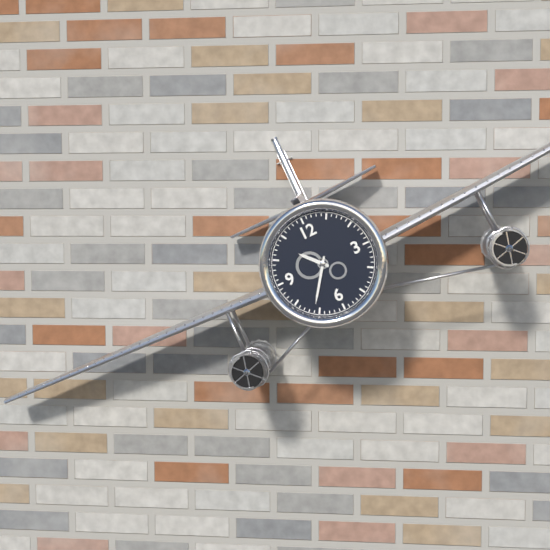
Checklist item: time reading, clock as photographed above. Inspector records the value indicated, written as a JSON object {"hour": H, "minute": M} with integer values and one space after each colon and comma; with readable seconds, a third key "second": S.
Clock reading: {"hour": 10, "minute": 36}
